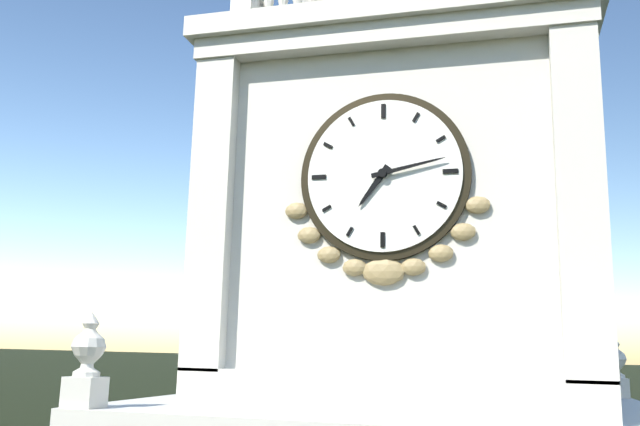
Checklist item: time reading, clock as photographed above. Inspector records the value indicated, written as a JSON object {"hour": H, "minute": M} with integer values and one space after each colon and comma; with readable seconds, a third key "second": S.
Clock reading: {"hour": 7, "minute": 13}
